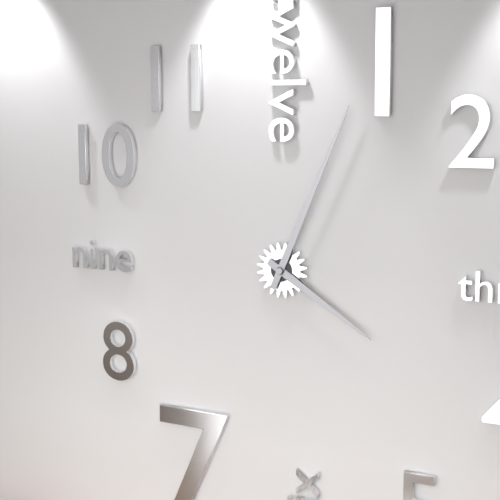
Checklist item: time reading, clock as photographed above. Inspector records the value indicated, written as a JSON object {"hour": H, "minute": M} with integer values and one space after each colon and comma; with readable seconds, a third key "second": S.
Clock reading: {"hour": 4, "minute": 4}
